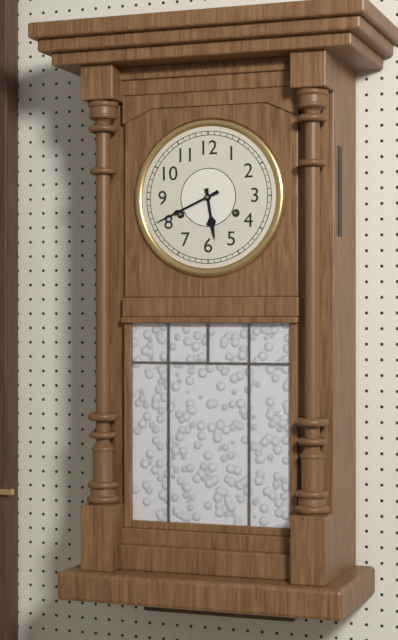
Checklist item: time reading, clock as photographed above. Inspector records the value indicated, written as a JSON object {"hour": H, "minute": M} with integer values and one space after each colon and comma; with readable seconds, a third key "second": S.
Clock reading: {"hour": 5, "minute": 41}
